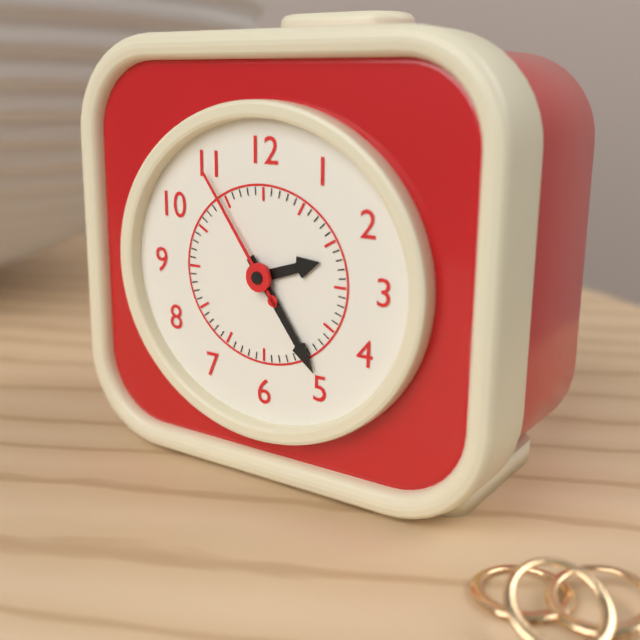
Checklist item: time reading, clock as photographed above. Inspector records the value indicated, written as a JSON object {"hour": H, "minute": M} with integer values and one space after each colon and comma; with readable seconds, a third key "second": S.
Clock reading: {"hour": 2, "minute": 24, "second": 54}
